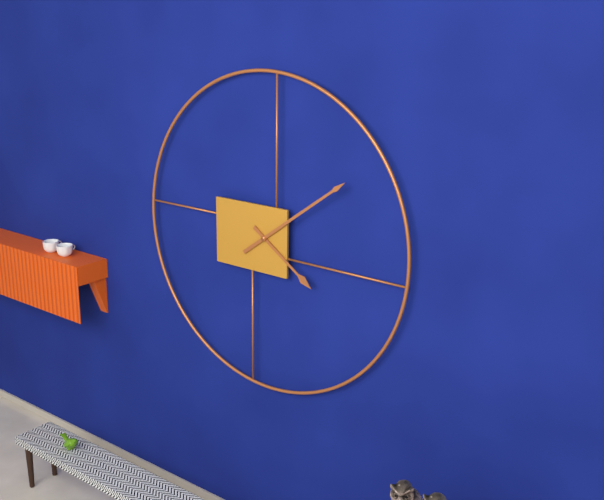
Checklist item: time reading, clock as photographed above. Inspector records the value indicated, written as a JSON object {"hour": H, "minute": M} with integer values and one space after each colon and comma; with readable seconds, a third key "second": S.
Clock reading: {"hour": 4, "minute": 9}
